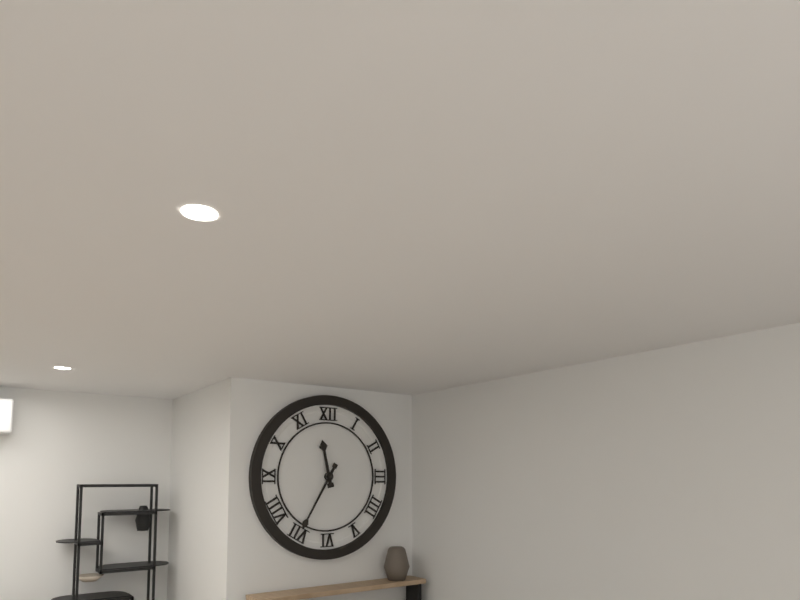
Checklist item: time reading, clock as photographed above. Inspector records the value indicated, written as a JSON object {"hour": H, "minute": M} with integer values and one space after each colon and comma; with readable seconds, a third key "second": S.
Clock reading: {"hour": 11, "minute": 35}
